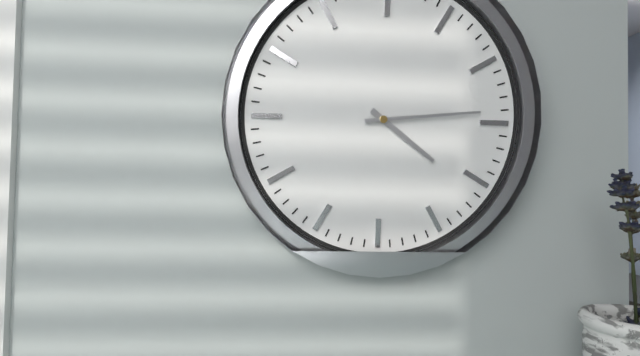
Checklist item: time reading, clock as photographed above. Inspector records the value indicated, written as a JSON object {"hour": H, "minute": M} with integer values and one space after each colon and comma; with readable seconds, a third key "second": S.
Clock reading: {"hour": 4, "minute": 14}
